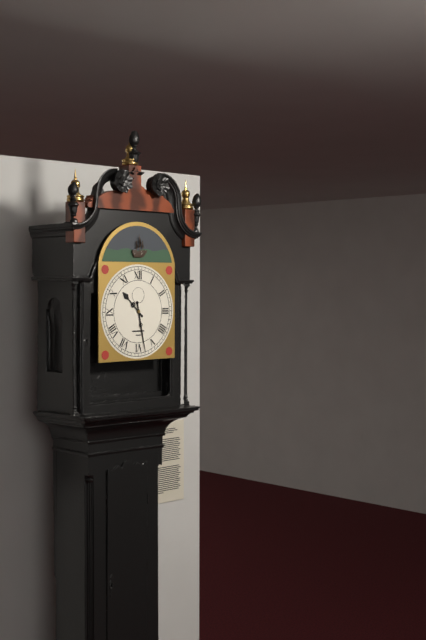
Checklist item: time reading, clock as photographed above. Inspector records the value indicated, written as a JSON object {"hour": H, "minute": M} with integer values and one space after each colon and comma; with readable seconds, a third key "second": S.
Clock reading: {"hour": 10, "minute": 28}
